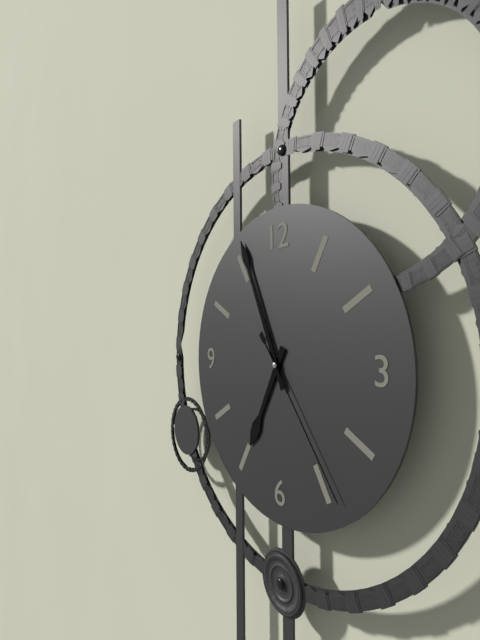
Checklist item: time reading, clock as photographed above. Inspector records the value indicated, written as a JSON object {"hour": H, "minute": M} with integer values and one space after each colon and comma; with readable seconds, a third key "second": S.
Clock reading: {"hour": 6, "minute": 56, "second": 24}
